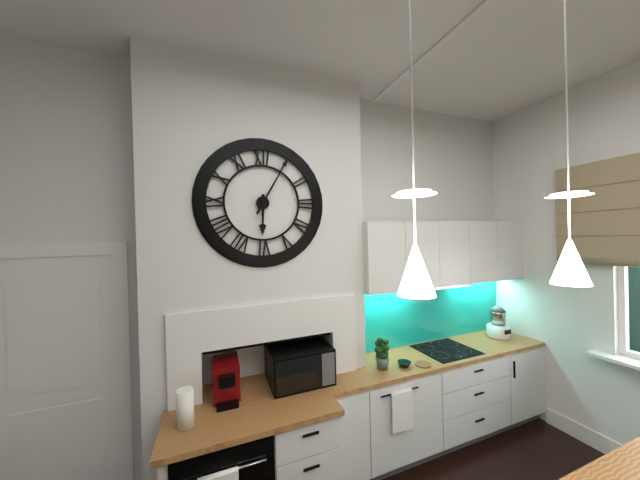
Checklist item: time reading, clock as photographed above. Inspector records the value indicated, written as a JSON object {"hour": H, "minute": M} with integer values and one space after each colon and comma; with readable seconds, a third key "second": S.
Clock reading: {"hour": 6, "minute": 5}
